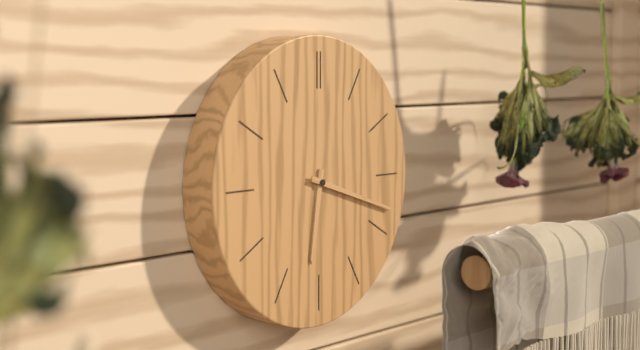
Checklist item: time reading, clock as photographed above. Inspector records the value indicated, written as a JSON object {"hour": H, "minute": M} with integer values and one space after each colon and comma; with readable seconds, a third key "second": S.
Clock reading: {"hour": 6, "minute": 18}
